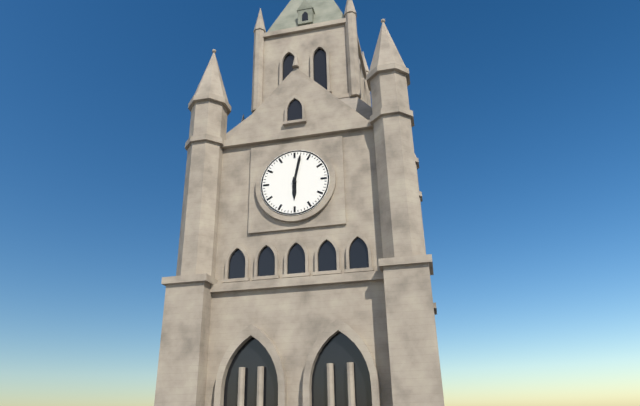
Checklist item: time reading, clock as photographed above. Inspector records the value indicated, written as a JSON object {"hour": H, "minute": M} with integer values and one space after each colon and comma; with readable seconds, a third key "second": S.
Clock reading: {"hour": 6, "minute": 2}
